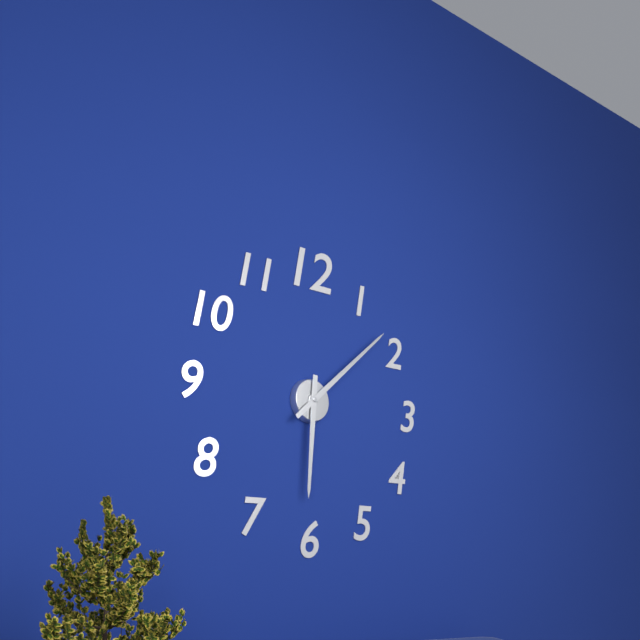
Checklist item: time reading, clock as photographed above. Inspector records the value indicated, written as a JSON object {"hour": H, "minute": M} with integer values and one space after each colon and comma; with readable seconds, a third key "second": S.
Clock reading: {"hour": 6, "minute": 8}
